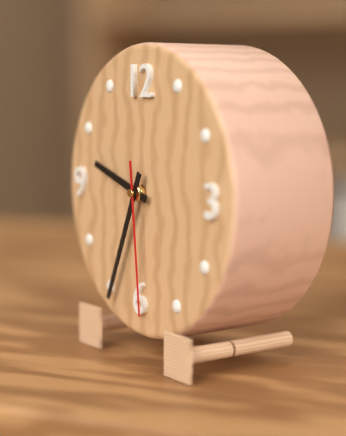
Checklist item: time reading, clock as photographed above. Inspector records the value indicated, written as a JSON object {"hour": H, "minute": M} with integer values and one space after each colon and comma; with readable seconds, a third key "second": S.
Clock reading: {"hour": 9, "minute": 34, "second": 29}
